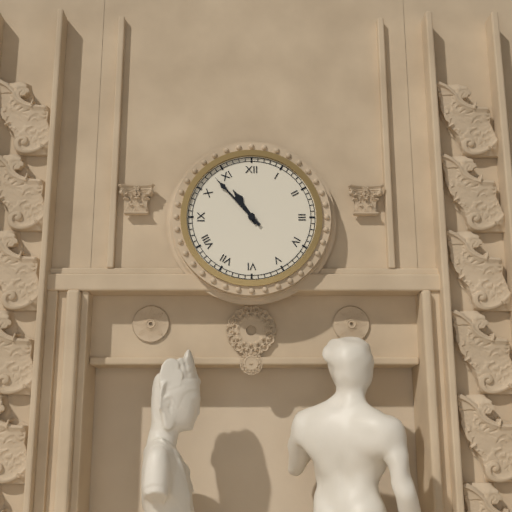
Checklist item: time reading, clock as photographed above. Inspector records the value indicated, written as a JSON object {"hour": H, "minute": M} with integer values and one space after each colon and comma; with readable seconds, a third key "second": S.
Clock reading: {"hour": 10, "minute": 53}
